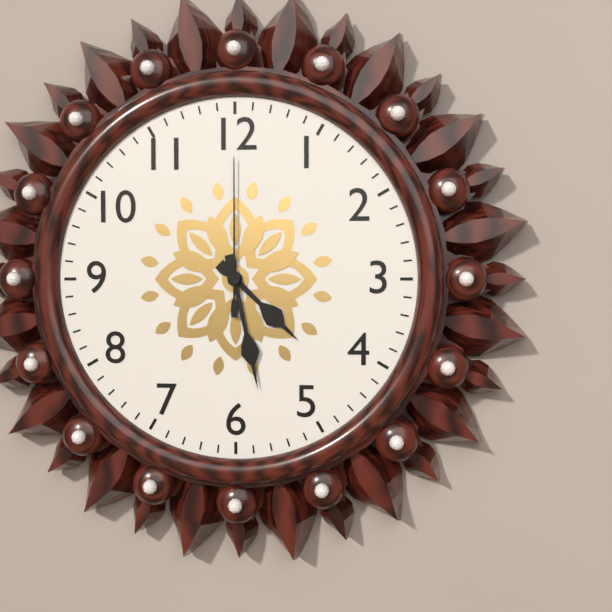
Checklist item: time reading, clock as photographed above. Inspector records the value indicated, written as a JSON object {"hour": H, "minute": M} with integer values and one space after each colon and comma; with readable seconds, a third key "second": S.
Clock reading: {"hour": 4, "minute": 28, "second": 0}
